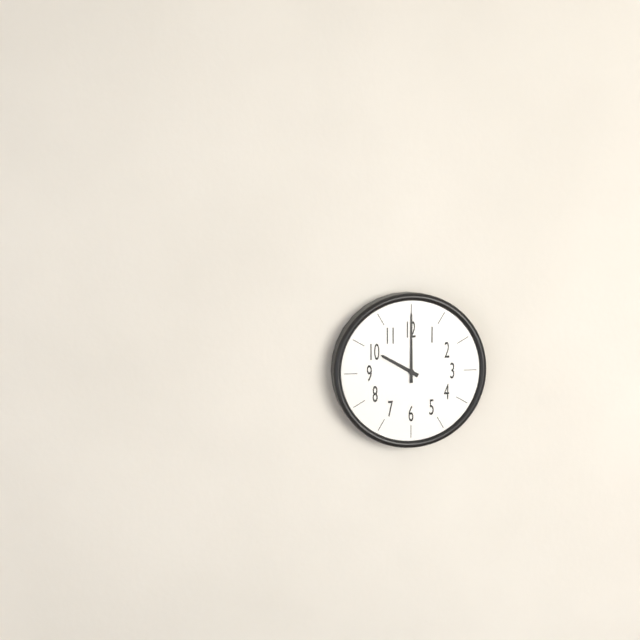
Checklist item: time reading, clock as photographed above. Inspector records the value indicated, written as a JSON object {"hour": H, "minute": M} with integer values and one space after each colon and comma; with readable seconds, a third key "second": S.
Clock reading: {"hour": 10, "minute": 0}
